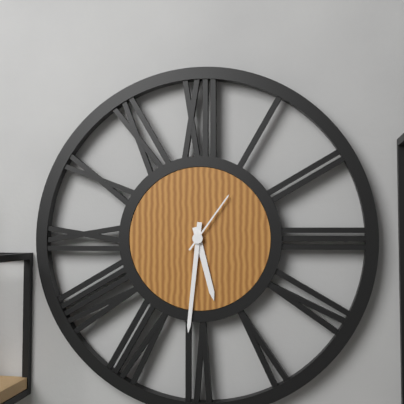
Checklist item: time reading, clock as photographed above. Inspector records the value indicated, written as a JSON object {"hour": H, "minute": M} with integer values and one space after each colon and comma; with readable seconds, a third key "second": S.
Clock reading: {"hour": 5, "minute": 31, "second": 6}
